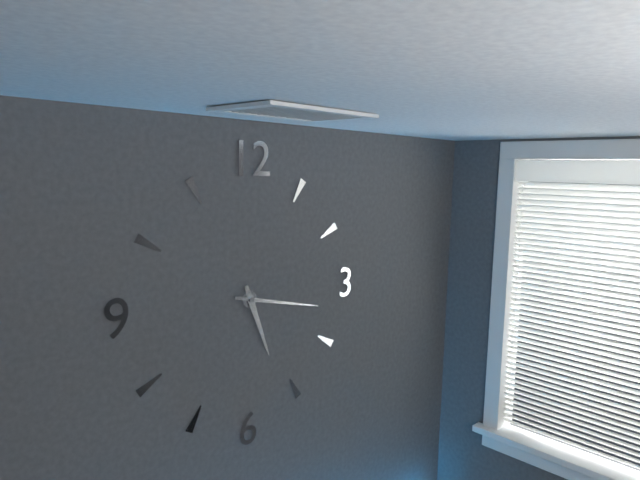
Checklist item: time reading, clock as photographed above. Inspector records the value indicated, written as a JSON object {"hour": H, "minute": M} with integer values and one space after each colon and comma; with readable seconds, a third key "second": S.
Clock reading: {"hour": 5, "minute": 17}
